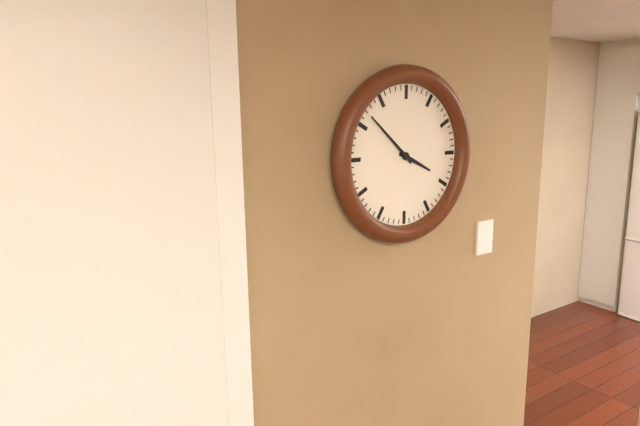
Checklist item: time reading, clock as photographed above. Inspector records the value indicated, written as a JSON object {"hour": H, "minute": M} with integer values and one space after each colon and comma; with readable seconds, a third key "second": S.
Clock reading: {"hour": 3, "minute": 52}
